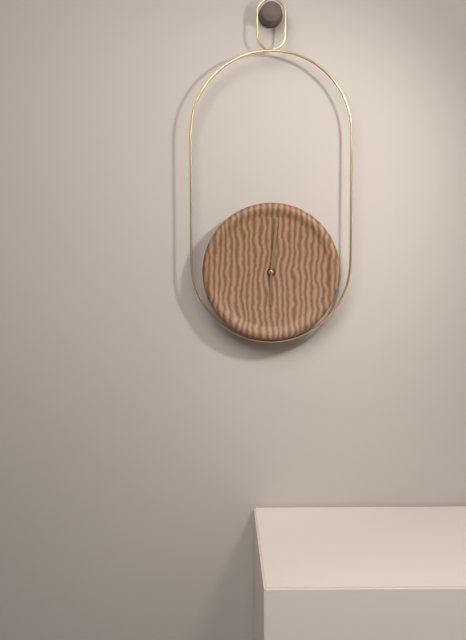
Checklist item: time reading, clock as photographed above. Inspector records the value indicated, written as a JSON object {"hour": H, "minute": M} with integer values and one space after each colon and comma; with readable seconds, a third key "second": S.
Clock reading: {"hour": 6, "minute": 1}
